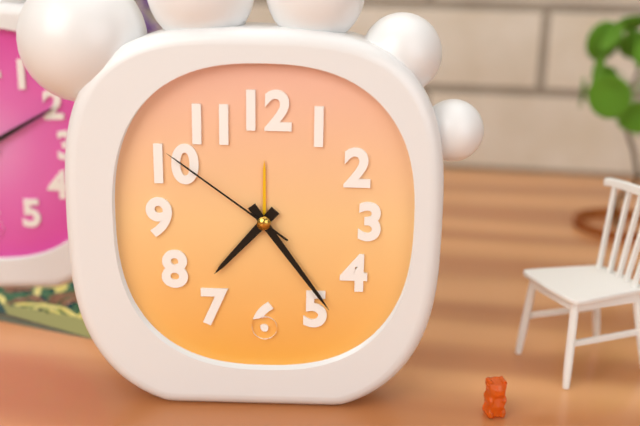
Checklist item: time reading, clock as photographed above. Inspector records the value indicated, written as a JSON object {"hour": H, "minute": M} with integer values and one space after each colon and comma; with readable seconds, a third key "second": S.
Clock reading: {"hour": 7, "minute": 24, "second": 51}
